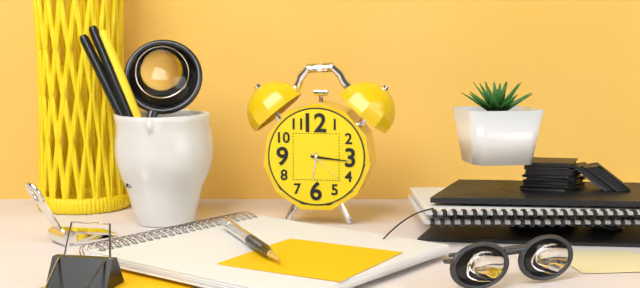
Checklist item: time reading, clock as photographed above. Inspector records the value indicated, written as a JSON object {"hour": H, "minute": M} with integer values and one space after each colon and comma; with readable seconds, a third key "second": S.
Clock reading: {"hour": 6, "minute": 16}
